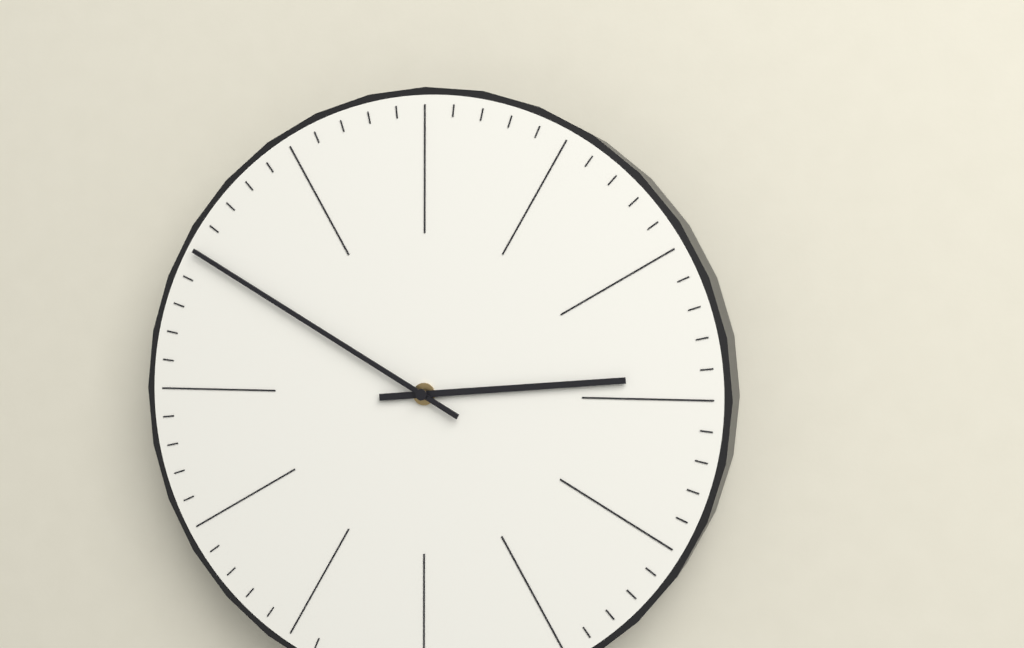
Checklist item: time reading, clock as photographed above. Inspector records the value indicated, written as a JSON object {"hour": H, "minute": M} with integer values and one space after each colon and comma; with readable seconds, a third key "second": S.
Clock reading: {"hour": 2, "minute": 50}
